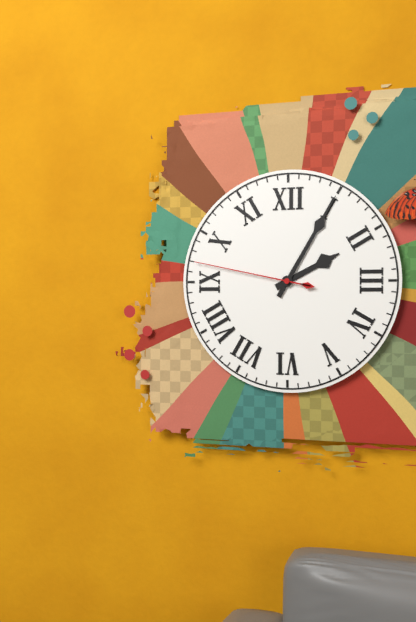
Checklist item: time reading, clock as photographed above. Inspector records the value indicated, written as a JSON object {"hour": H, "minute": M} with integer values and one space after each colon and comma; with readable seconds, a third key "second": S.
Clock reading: {"hour": 2, "minute": 5, "second": 47}
